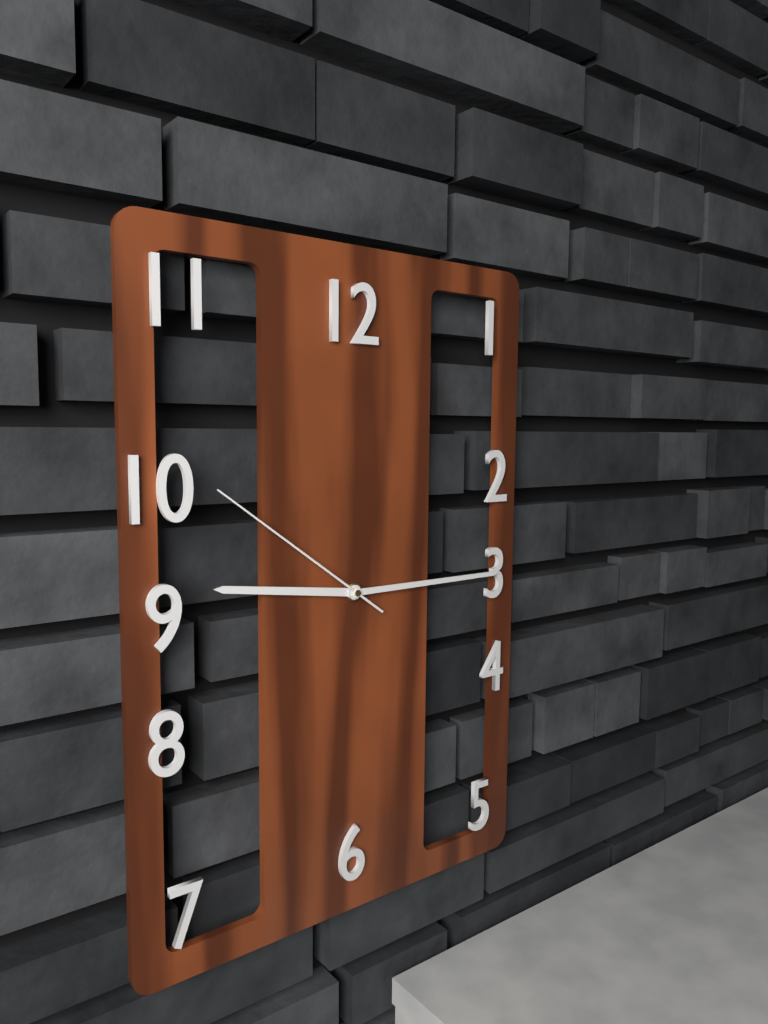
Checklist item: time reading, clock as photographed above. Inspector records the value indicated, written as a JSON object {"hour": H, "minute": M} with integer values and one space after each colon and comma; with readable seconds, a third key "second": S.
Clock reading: {"hour": 9, "minute": 15, "second": 51}
